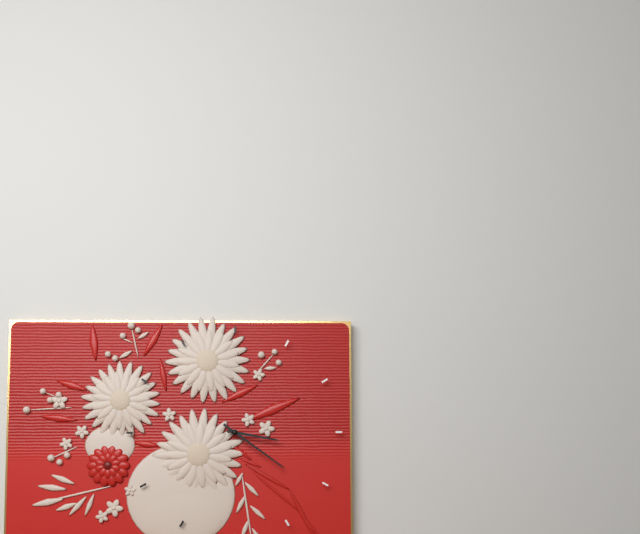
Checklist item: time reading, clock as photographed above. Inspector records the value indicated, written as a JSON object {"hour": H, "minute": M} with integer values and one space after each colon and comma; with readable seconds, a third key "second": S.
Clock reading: {"hour": 3, "minute": 21}
